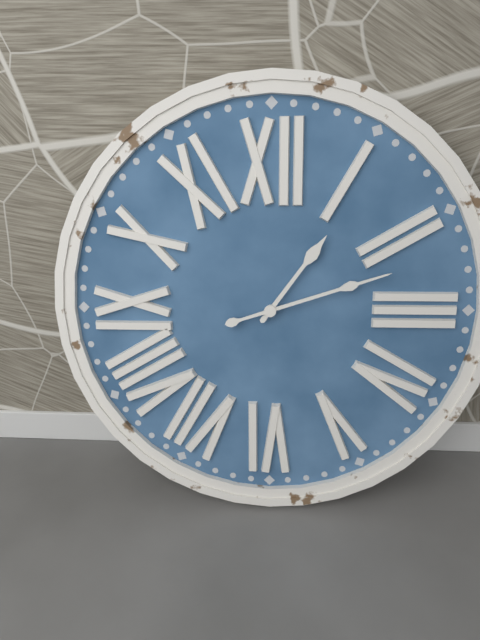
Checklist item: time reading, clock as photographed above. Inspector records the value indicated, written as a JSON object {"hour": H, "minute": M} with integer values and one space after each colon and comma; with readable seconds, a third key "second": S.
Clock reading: {"hour": 1, "minute": 12}
